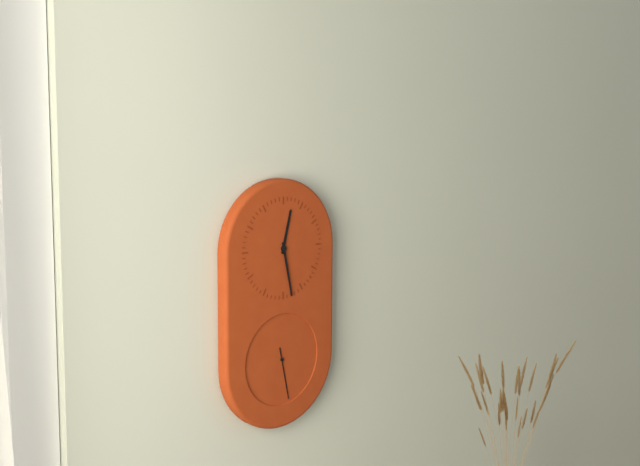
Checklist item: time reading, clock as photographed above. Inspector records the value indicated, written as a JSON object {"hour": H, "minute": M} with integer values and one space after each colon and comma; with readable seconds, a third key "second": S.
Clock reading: {"hour": 12, "minute": 28, "second": 28}
